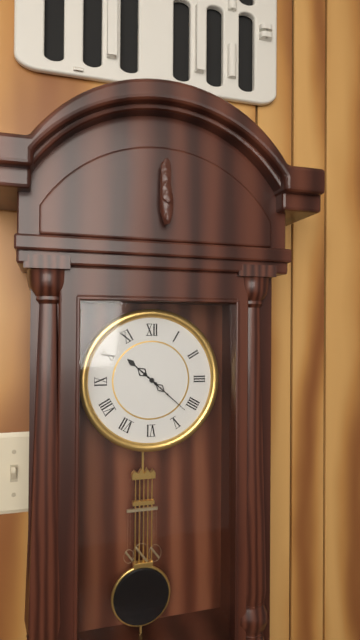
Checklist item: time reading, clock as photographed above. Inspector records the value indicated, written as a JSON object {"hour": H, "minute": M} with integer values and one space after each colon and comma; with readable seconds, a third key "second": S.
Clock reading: {"hour": 10, "minute": 22}
